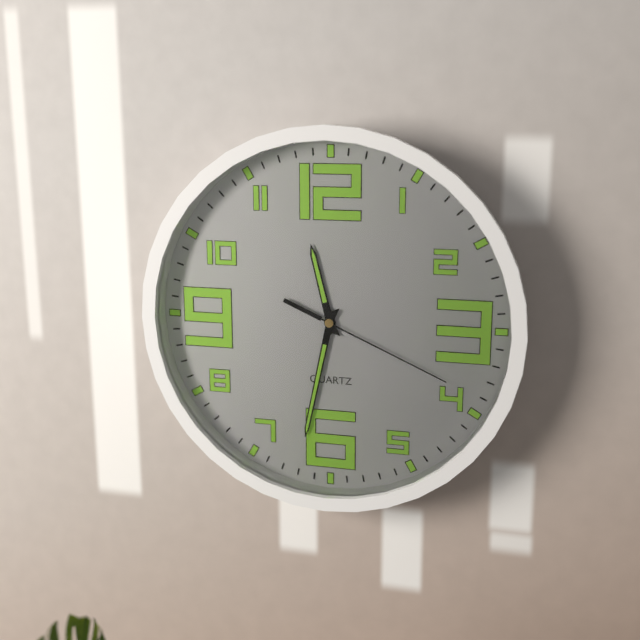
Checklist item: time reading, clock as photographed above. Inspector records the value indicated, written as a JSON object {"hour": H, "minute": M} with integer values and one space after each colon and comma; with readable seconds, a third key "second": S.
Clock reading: {"hour": 11, "minute": 32, "second": 19}
